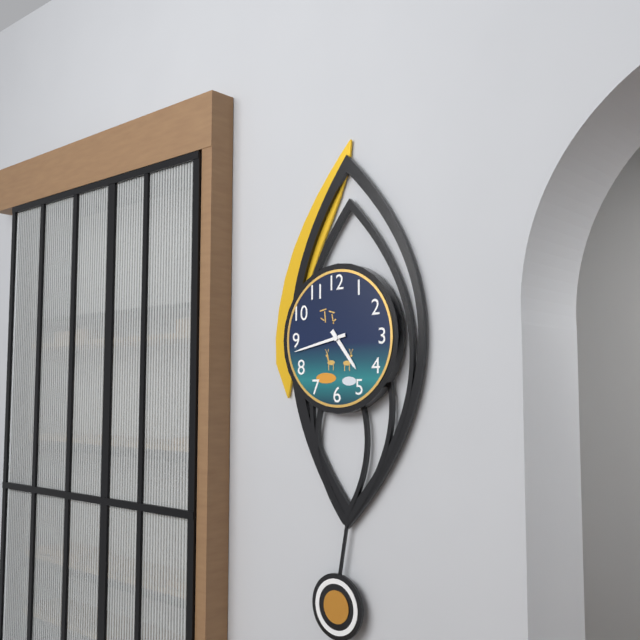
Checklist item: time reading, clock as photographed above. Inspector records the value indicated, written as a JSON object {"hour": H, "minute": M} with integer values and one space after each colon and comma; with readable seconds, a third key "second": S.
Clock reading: {"hour": 4, "minute": 43}
